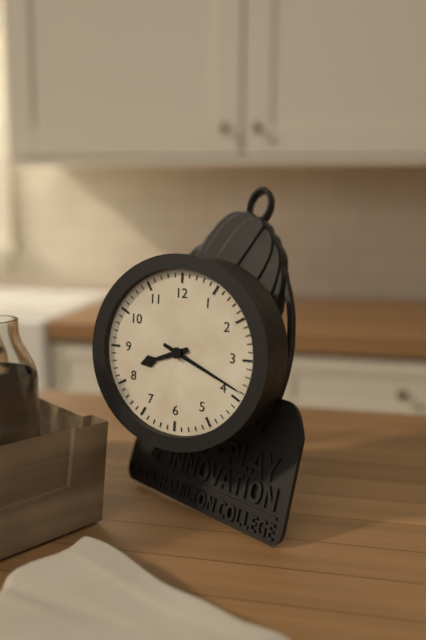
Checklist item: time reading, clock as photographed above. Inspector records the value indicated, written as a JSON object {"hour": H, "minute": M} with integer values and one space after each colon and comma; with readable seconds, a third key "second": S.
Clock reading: {"hour": 8, "minute": 19}
